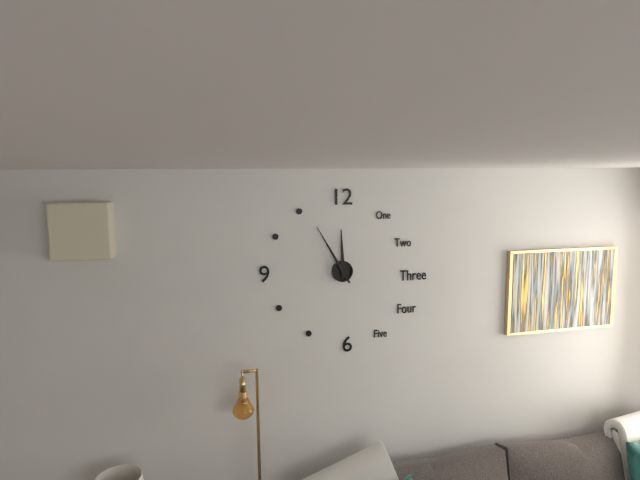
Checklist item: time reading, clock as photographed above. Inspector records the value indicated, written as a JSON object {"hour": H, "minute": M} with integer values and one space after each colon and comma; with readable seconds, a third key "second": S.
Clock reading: {"hour": 11, "minute": 55}
